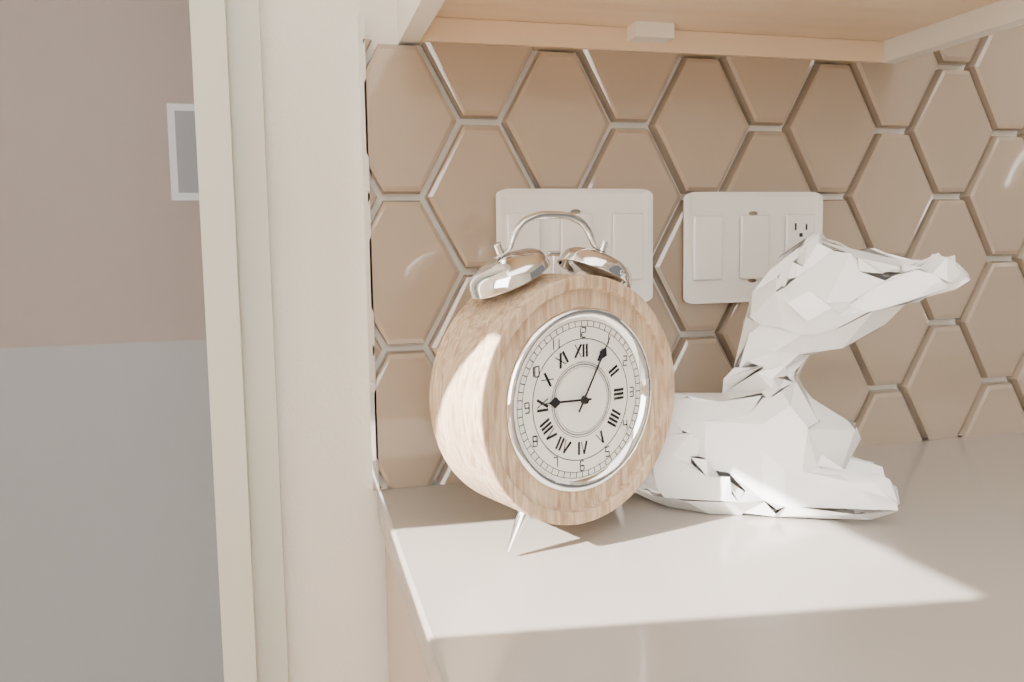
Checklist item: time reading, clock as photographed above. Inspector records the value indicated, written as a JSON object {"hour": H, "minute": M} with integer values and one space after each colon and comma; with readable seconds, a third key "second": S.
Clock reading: {"hour": 9, "minute": 5}
